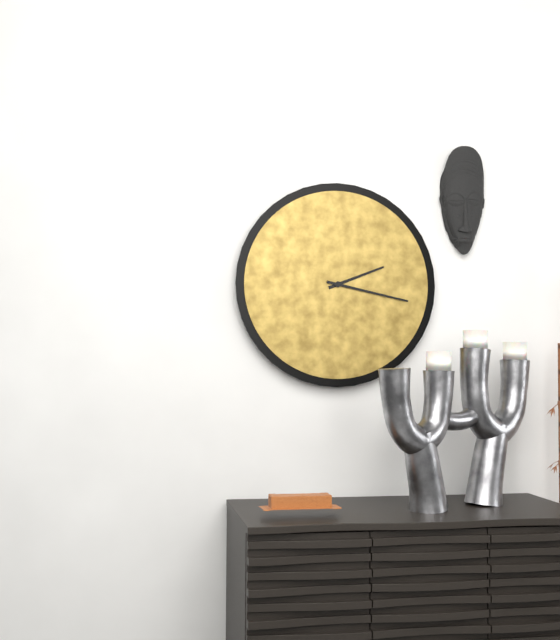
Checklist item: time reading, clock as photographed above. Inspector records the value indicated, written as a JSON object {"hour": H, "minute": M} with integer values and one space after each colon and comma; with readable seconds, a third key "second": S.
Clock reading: {"hour": 2, "minute": 17}
